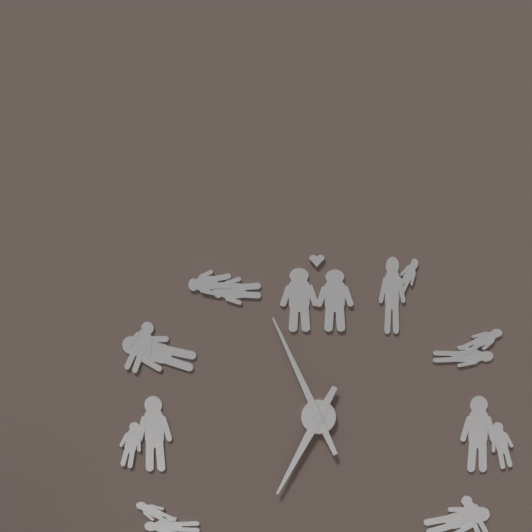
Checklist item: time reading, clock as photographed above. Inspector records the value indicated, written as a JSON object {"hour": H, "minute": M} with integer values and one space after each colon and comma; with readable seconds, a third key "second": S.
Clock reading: {"hour": 6, "minute": 56}
